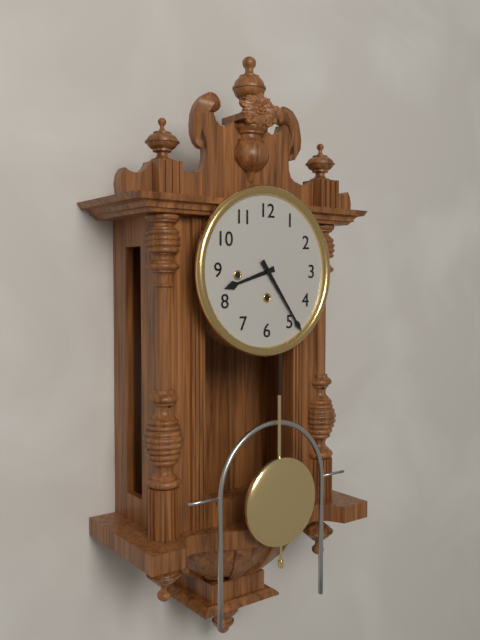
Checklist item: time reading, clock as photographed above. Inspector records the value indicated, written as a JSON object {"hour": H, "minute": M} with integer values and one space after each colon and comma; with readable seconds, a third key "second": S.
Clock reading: {"hour": 8, "minute": 24}
